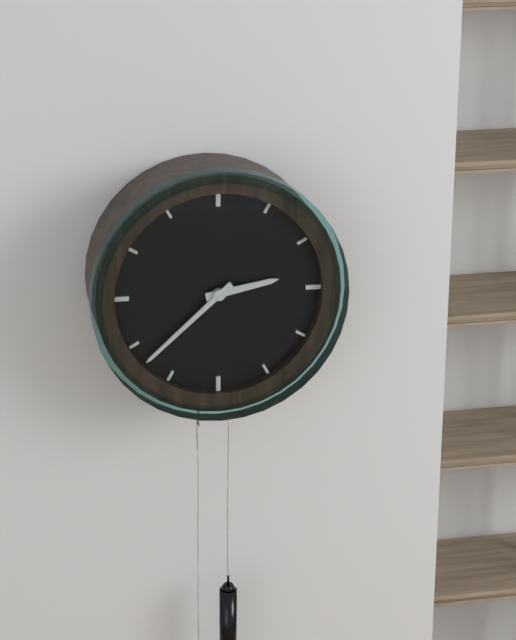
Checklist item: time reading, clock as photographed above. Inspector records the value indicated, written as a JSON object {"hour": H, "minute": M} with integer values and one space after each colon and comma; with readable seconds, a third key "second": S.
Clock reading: {"hour": 2, "minute": 38}
